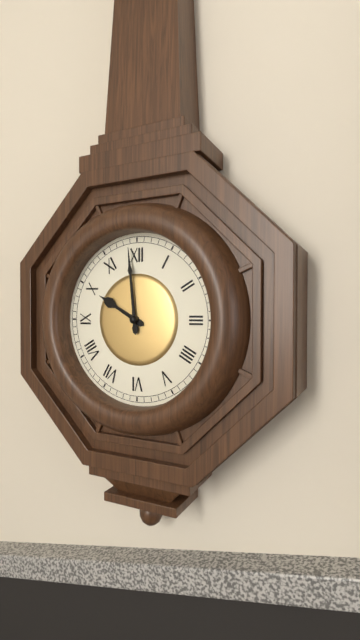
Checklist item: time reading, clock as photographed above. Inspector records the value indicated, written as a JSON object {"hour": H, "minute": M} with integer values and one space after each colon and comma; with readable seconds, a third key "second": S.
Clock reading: {"hour": 9, "minute": 59}
